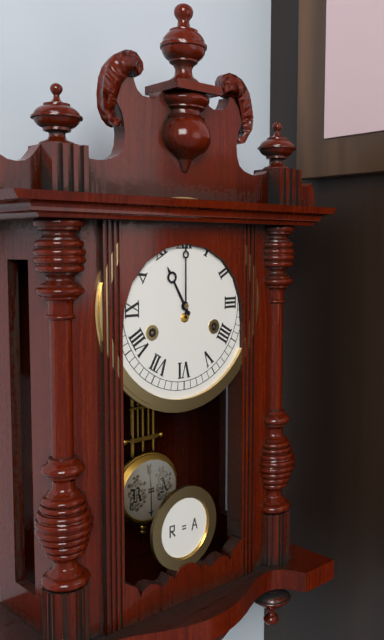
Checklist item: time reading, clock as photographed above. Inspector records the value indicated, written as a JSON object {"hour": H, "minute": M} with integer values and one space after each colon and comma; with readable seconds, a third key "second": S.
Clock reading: {"hour": 11, "minute": 0}
